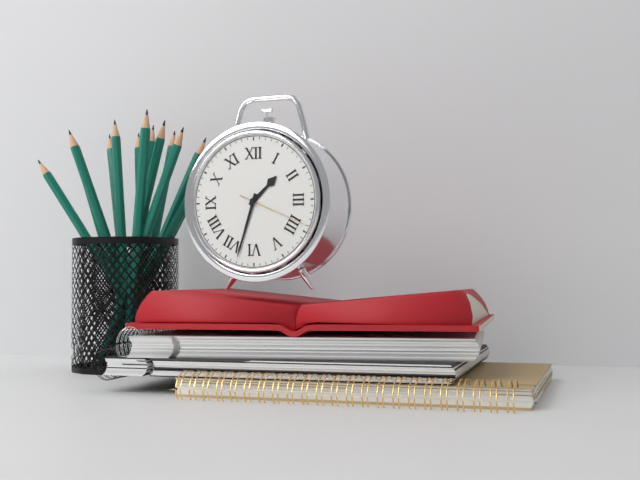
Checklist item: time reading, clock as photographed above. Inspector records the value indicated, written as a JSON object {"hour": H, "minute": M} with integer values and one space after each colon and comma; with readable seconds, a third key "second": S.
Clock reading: {"hour": 1, "minute": 33, "second": 19}
